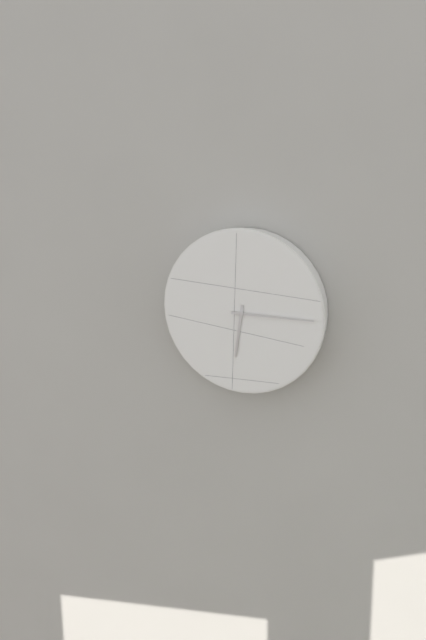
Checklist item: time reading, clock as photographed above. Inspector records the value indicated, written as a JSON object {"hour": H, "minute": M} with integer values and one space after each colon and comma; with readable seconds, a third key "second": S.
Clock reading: {"hour": 6, "minute": 15}
